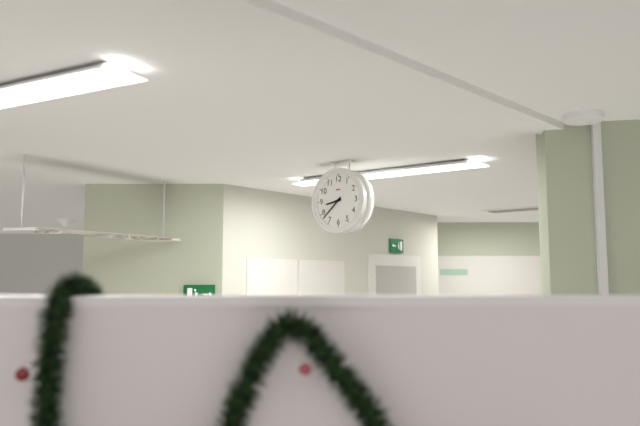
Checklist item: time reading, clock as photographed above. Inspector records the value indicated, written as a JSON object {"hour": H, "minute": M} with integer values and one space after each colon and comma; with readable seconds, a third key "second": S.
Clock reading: {"hour": 8, "minute": 38}
